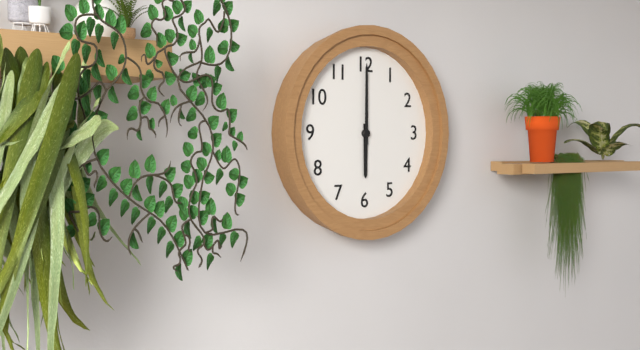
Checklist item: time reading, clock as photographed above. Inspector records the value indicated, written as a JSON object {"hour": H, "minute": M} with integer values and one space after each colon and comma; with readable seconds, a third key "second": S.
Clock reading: {"hour": 6, "minute": 0}
